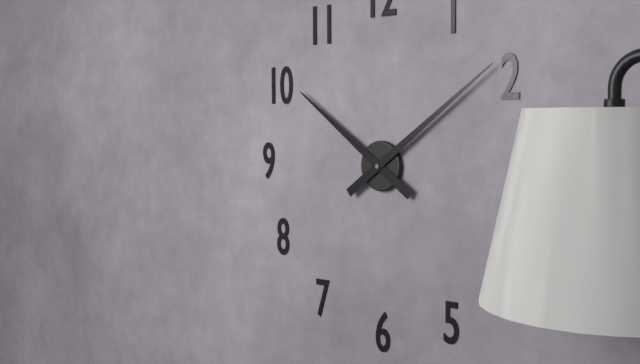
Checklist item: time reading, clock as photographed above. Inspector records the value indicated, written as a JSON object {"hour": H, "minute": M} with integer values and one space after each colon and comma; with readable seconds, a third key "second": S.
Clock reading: {"hour": 10, "minute": 9}
